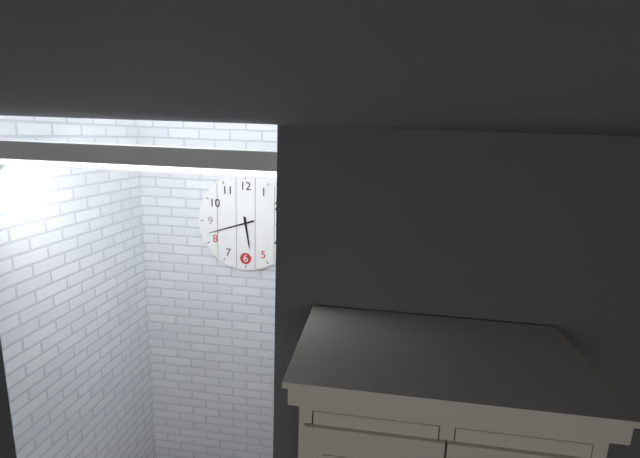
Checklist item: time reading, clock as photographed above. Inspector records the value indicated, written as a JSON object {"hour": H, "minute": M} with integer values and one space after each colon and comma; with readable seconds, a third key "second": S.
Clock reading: {"hour": 5, "minute": 42}
